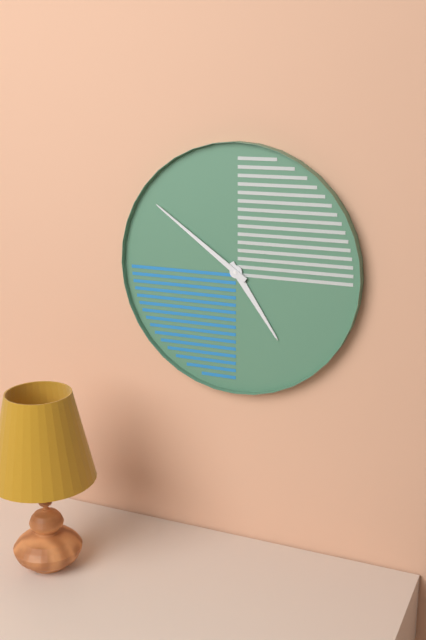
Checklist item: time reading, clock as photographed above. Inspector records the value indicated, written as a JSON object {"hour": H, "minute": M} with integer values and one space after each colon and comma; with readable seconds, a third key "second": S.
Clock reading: {"hour": 4, "minute": 51}
